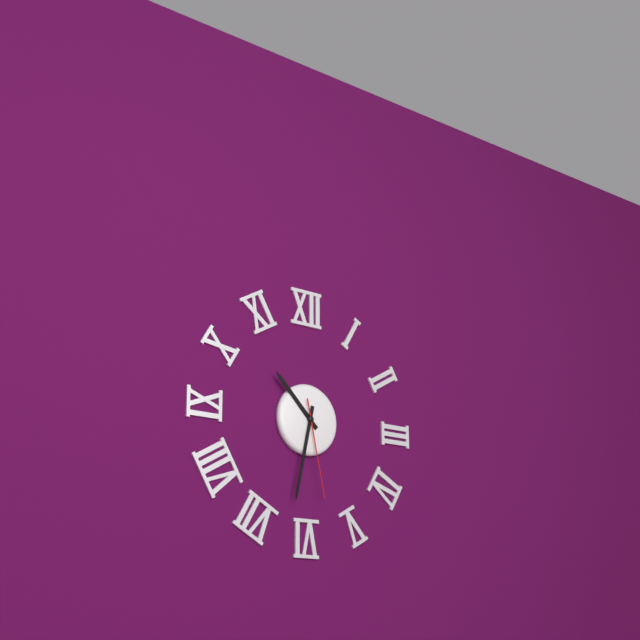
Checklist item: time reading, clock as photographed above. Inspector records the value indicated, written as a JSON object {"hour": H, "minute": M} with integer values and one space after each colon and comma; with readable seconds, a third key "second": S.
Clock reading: {"hour": 10, "minute": 32, "second": 28}
